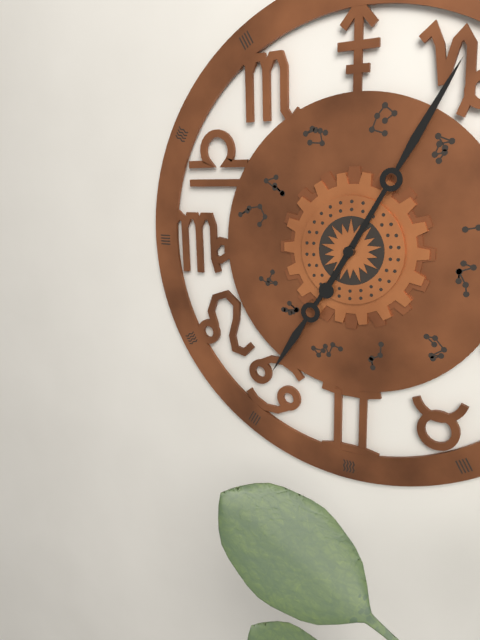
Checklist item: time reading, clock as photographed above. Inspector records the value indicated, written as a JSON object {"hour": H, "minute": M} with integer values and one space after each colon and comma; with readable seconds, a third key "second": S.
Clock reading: {"hour": 7, "minute": 5}
